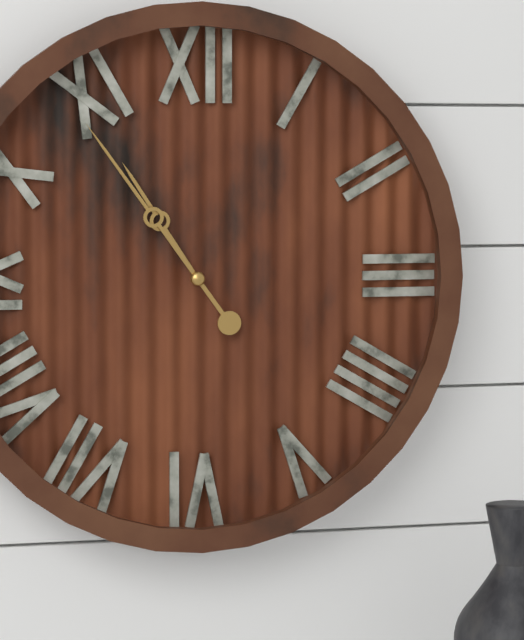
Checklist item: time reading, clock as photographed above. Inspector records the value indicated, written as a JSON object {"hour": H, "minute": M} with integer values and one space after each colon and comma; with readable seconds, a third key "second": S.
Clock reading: {"hour": 10, "minute": 54}
